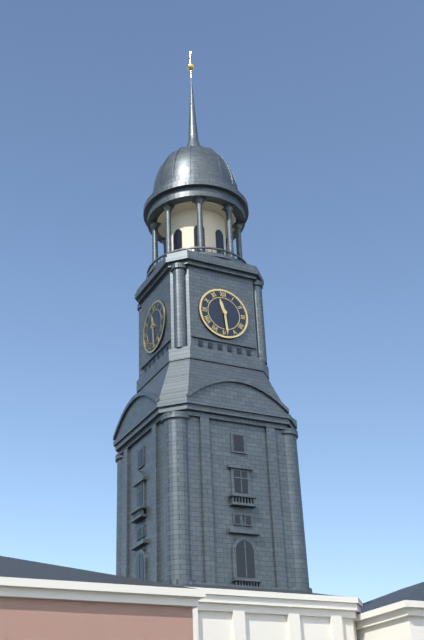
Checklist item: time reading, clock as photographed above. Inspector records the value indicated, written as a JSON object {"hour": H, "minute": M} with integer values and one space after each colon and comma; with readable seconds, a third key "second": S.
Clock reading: {"hour": 11, "minute": 29}
